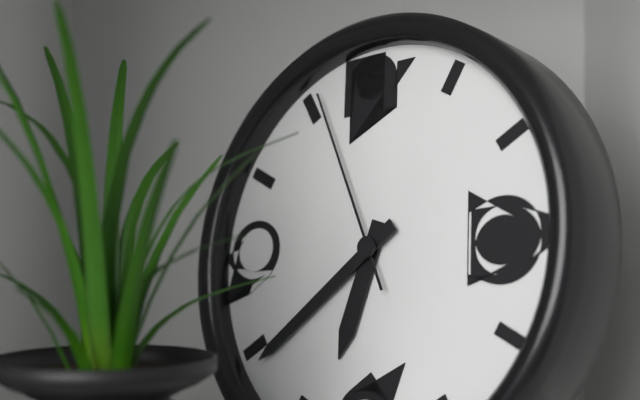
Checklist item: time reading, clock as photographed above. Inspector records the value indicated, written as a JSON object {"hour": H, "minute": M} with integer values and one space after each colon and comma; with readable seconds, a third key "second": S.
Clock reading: {"hour": 6, "minute": 39, "second": 56}
